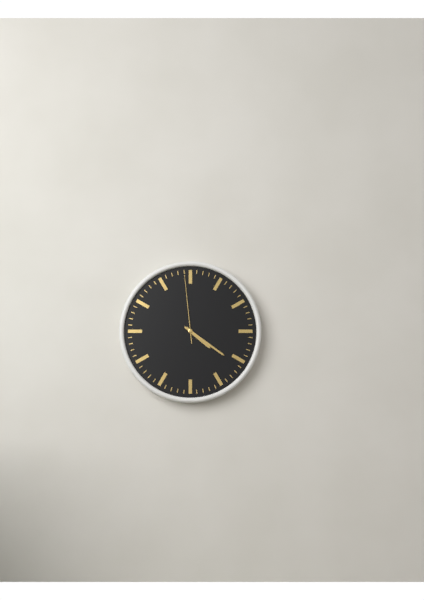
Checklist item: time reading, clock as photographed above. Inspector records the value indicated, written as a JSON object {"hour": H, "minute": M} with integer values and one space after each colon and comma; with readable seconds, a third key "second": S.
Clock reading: {"hour": 4, "minute": 21, "second": 59}
